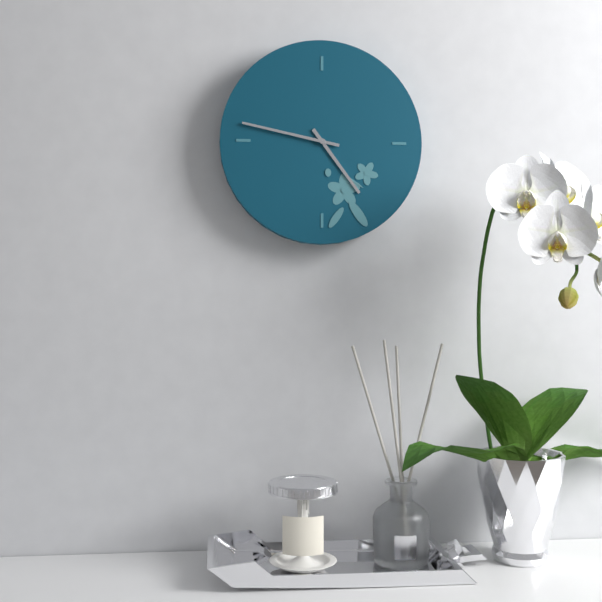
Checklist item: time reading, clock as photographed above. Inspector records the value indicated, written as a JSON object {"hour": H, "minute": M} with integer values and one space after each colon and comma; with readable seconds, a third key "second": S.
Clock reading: {"hour": 4, "minute": 47}
